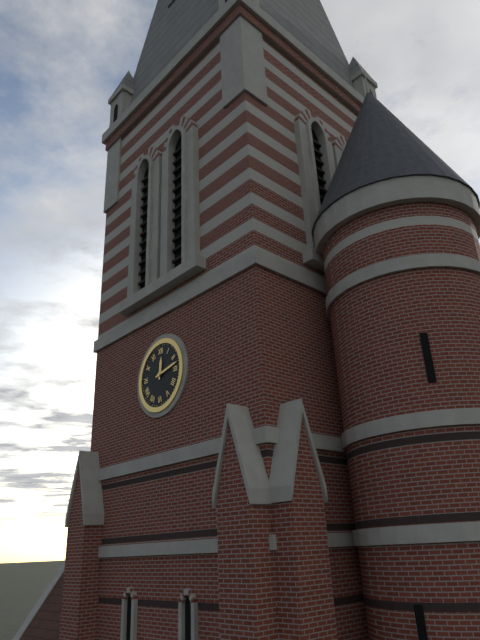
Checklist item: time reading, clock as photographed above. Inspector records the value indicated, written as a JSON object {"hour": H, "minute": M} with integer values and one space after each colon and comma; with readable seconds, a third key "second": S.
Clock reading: {"hour": 12, "minute": 13}
